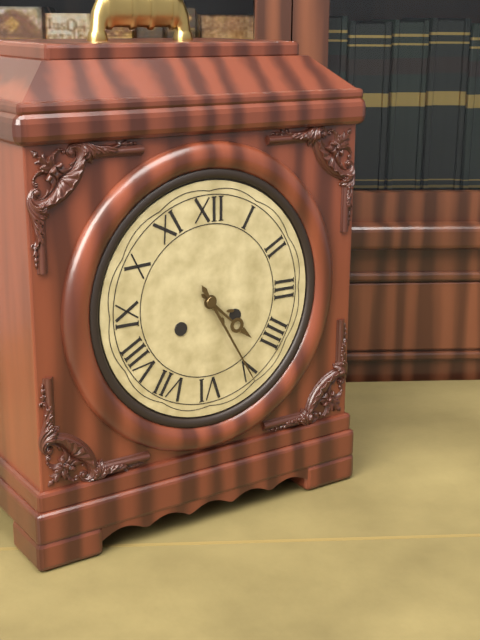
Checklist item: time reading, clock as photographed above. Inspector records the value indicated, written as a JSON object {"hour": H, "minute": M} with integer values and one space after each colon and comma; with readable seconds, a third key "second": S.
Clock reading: {"hour": 4, "minute": 25}
